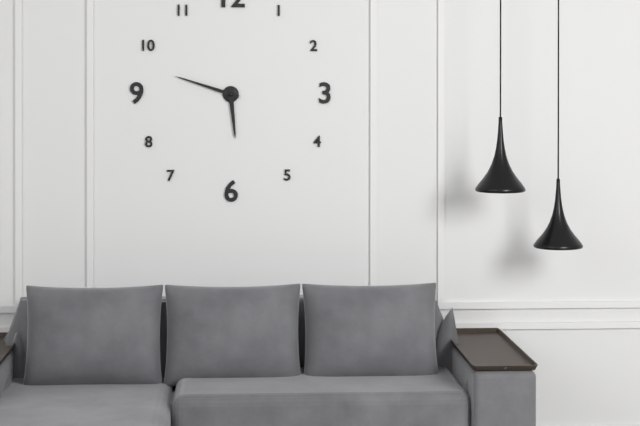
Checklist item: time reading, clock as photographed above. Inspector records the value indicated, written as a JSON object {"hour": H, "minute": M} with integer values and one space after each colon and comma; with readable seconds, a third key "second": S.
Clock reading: {"hour": 5, "minute": 48}
